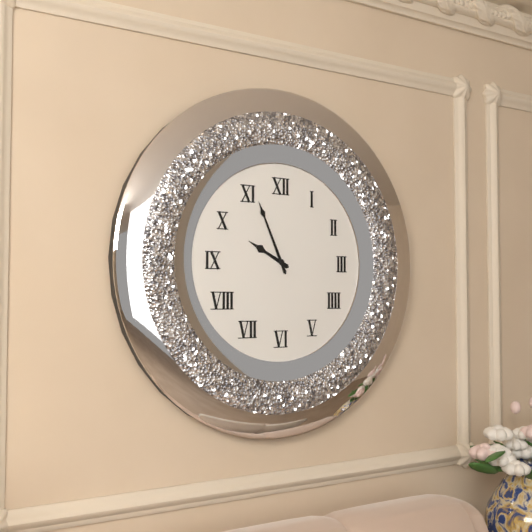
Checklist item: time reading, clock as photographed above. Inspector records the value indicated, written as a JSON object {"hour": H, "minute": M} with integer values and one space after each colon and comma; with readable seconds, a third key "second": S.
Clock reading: {"hour": 9, "minute": 56}
